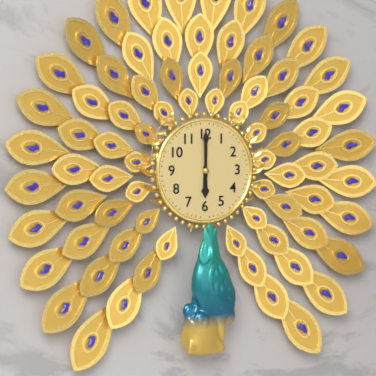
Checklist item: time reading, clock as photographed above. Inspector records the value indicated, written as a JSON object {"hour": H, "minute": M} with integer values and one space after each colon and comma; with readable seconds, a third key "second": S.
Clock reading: {"hour": 6, "minute": 0}
